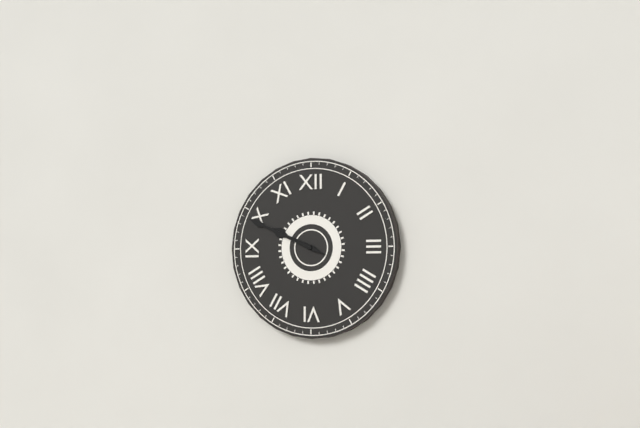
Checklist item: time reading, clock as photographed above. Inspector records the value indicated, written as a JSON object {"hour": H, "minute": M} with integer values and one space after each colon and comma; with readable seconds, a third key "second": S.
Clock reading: {"hour": 9, "minute": 49}
